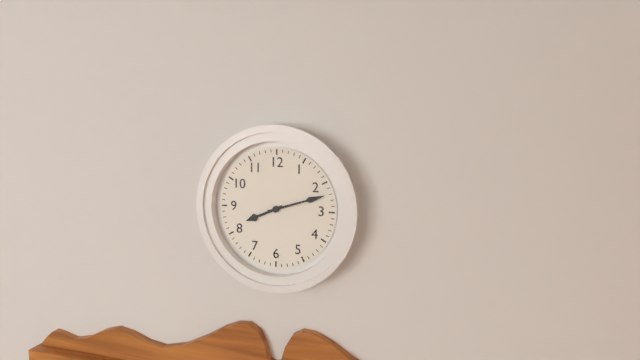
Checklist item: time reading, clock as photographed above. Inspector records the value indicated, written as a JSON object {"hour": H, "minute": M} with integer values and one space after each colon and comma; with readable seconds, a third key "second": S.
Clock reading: {"hour": 8, "minute": 12}
